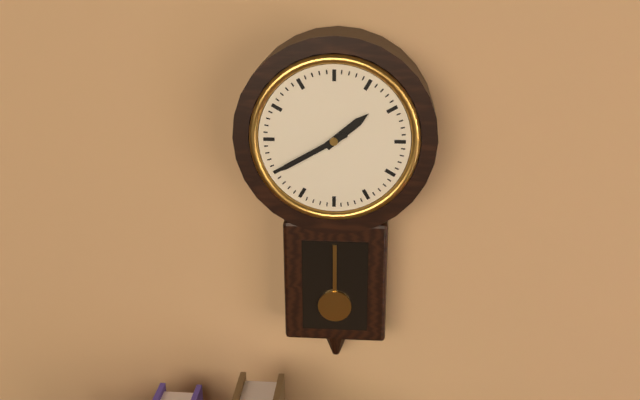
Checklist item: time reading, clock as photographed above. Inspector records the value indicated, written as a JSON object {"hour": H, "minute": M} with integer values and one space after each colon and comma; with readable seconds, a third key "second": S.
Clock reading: {"hour": 1, "minute": 40}
